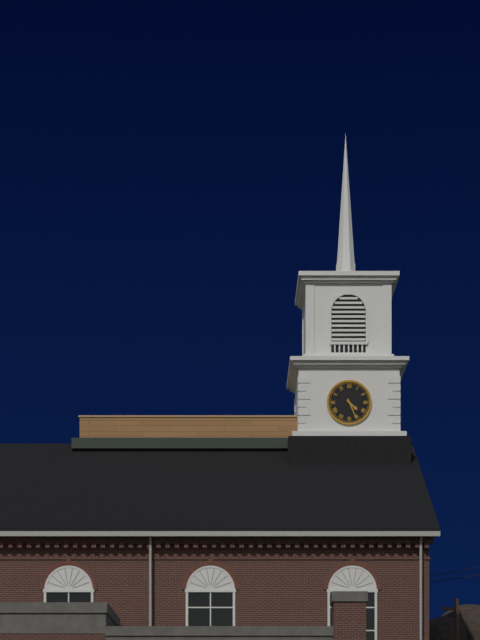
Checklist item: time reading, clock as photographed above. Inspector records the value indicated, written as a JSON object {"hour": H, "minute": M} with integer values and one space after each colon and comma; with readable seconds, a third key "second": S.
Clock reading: {"hour": 4, "minute": 26}
